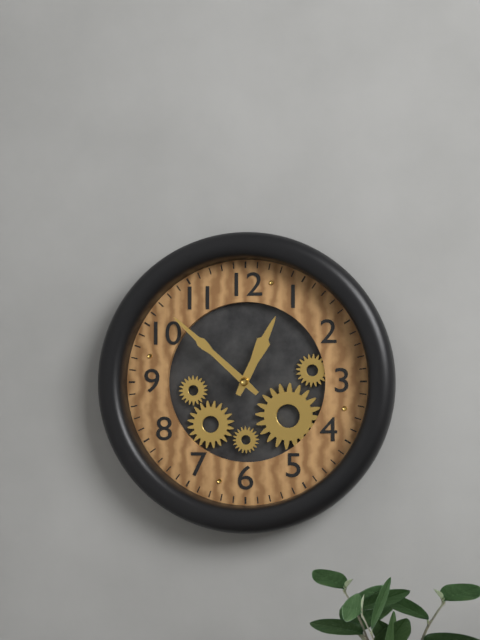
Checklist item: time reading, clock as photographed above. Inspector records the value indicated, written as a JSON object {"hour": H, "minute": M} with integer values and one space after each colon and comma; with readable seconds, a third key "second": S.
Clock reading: {"hour": 12, "minute": 52}
